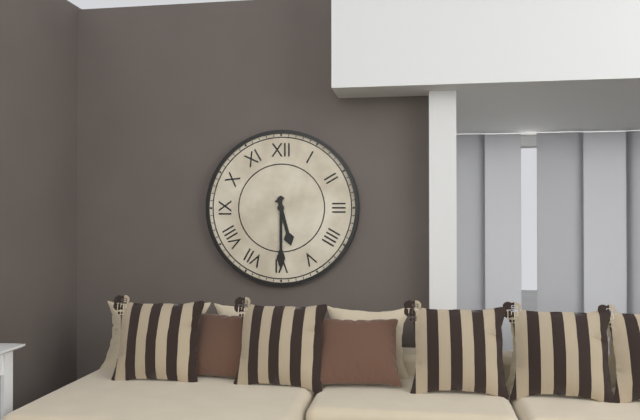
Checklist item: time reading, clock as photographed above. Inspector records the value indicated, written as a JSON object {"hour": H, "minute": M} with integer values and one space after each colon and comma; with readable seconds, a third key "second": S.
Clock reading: {"hour": 5, "minute": 30}
